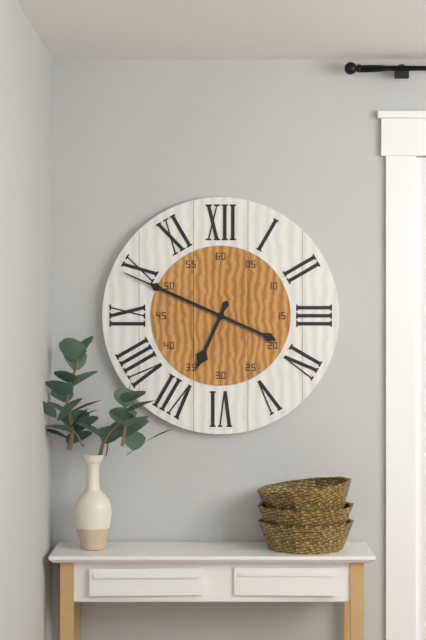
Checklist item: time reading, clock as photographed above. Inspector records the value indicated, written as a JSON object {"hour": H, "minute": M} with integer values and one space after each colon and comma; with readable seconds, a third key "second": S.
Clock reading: {"hour": 6, "minute": 49}
